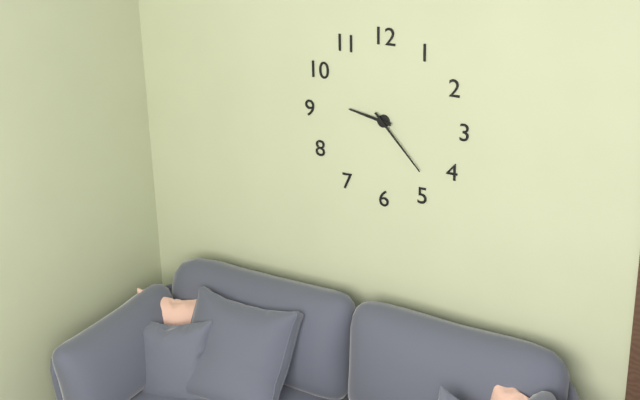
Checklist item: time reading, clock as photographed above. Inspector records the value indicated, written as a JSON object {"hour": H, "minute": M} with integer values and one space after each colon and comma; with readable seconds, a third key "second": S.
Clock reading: {"hour": 9, "minute": 23}
